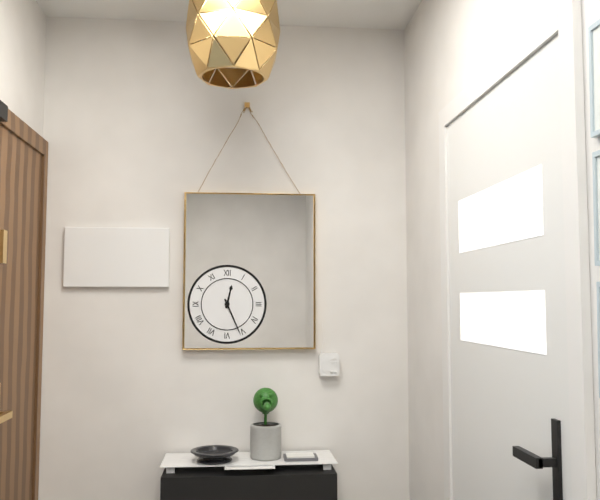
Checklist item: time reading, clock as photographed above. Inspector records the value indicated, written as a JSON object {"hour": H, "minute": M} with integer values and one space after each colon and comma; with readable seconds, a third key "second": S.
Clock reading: {"hour": 12, "minute": 26}
